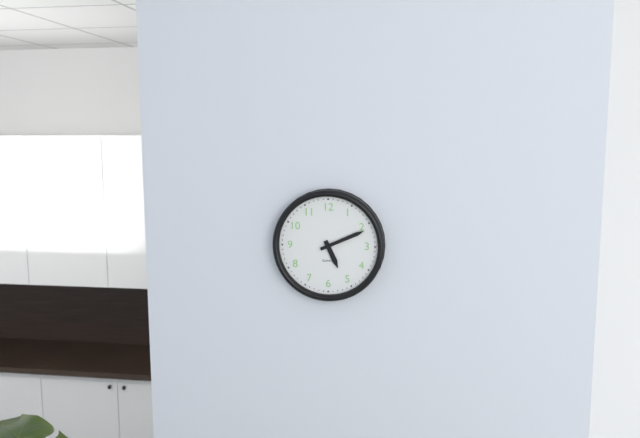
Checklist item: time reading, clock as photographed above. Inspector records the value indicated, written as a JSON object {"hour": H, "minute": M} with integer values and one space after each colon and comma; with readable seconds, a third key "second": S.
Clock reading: {"hour": 5, "minute": 11}
